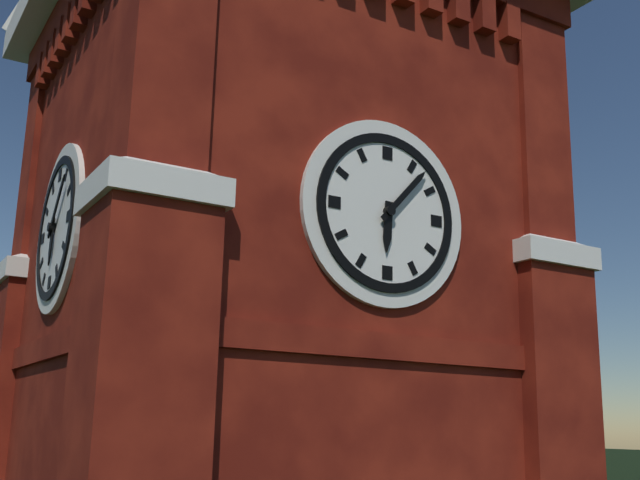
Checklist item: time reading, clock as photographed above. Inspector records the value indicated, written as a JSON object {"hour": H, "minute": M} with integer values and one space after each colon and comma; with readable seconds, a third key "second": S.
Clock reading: {"hour": 6, "minute": 7}
